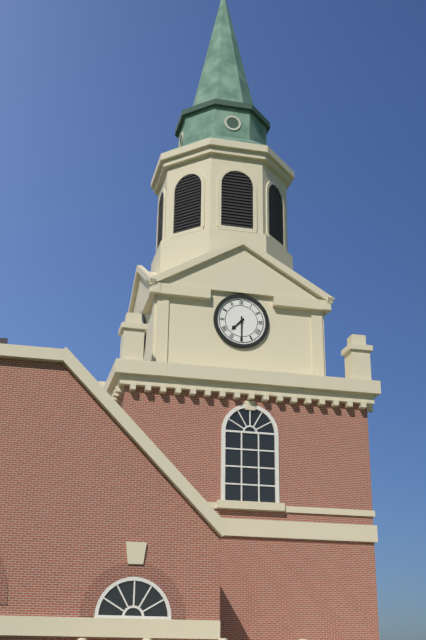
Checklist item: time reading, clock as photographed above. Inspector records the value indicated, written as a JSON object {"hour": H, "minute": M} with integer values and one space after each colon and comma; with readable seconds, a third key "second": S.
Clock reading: {"hour": 7, "minute": 30}
